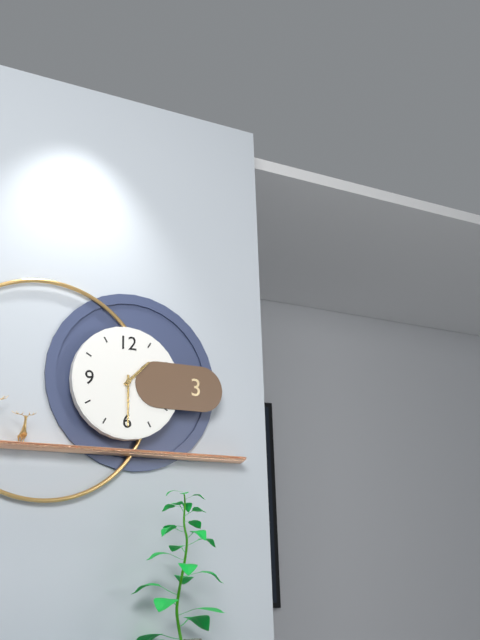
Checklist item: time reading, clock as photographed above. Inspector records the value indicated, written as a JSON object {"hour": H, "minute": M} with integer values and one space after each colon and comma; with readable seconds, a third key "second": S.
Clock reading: {"hour": 1, "minute": 30}
